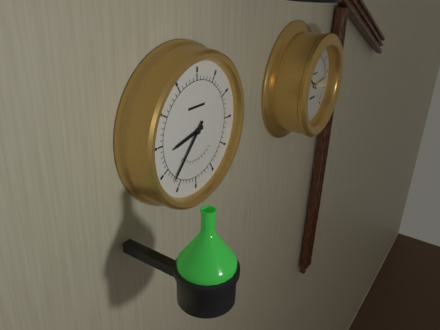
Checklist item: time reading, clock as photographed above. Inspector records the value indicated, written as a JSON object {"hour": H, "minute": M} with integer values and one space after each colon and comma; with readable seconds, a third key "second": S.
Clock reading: {"hour": 8, "minute": 37}
